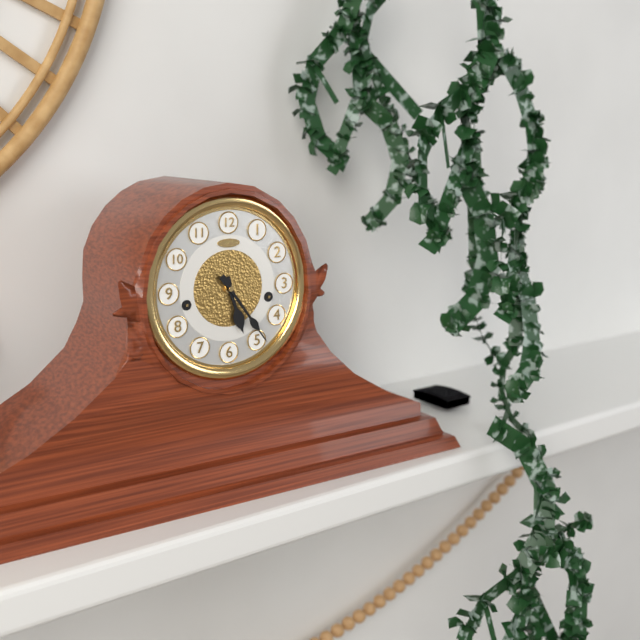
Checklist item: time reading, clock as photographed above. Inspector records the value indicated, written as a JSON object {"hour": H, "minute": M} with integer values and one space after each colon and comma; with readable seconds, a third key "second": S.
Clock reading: {"hour": 5, "minute": 24}
